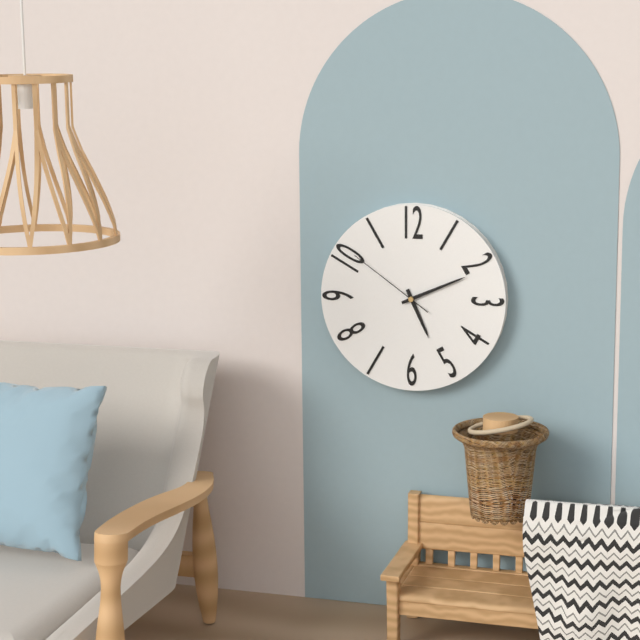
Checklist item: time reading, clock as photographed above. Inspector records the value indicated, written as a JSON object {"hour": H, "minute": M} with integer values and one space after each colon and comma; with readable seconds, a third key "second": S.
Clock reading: {"hour": 5, "minute": 11, "second": 51}
